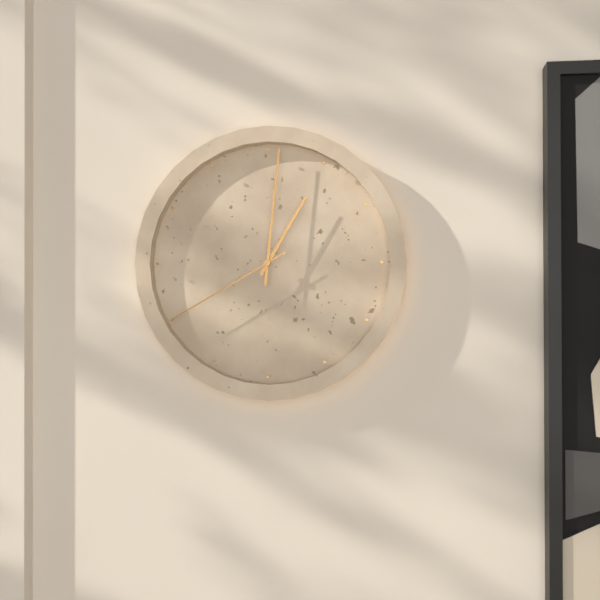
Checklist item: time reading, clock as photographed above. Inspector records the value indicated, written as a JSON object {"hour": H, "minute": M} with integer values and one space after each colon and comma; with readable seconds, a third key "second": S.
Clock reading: {"hour": 1, "minute": 1, "second": 40}
